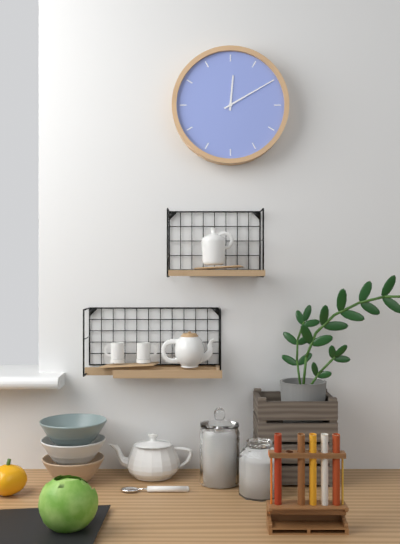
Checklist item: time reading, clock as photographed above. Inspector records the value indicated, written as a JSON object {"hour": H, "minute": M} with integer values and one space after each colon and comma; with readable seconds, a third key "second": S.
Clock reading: {"hour": 12, "minute": 10}
